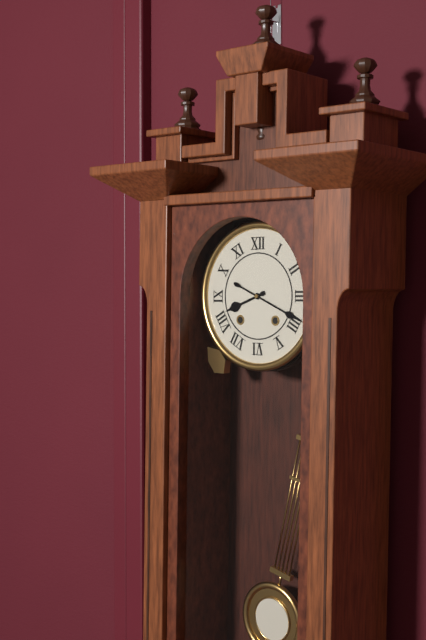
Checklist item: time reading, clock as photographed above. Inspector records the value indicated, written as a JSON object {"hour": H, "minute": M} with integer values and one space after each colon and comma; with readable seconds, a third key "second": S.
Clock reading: {"hour": 8, "minute": 19}
